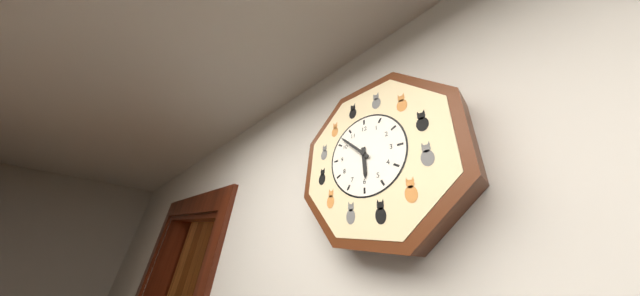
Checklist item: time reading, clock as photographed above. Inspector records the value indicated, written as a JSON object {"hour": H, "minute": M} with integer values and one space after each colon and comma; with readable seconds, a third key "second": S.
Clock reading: {"hour": 5, "minute": 52}
